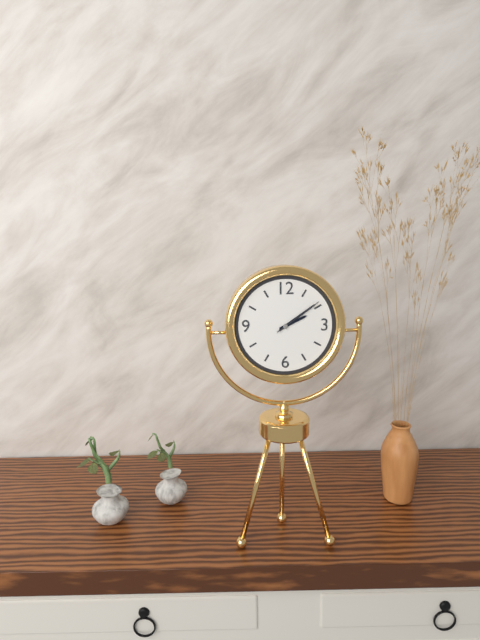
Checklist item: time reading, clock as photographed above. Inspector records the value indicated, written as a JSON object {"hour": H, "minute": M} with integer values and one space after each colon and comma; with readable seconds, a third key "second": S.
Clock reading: {"hour": 2, "minute": 9, "second": 9}
